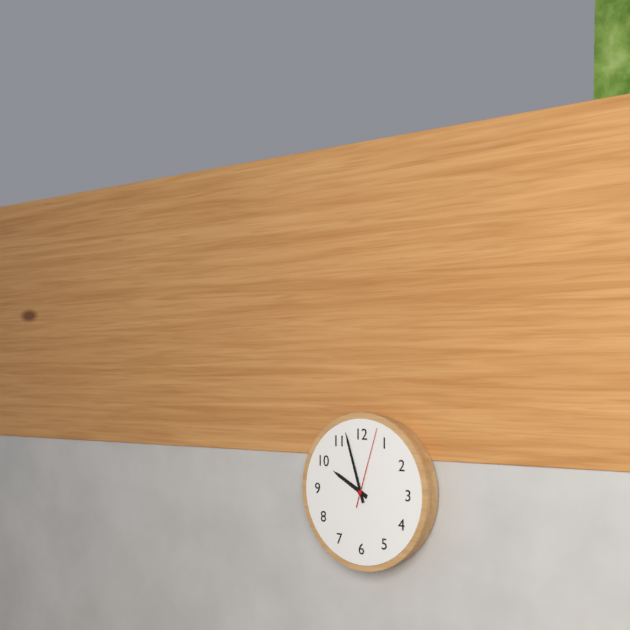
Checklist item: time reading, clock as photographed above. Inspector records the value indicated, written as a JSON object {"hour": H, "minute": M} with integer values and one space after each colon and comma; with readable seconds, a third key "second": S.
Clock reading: {"hour": 9, "minute": 57, "second": 3}
